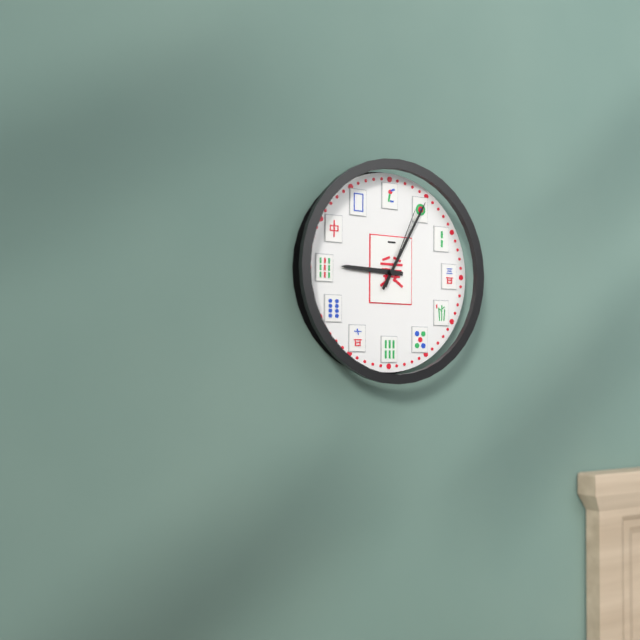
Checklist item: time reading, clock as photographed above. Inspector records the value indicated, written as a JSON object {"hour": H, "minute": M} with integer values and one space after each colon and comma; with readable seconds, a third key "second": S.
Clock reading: {"hour": 9, "minute": 5, "second": 4}
